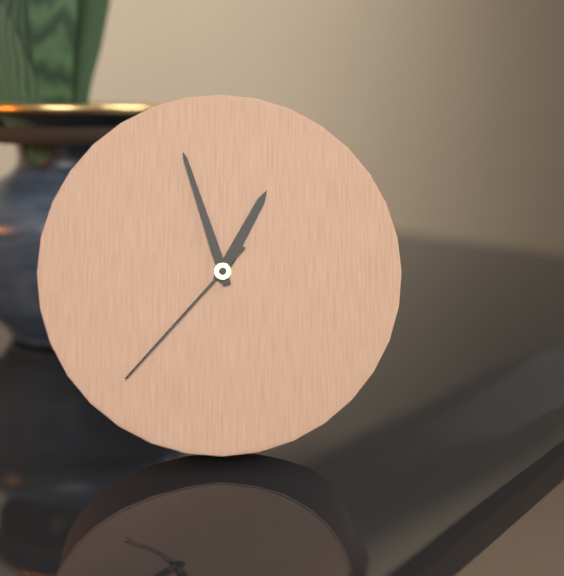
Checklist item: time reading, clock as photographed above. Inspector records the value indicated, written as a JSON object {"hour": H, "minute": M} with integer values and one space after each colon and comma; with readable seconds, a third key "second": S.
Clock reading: {"hour": 12, "minute": 57, "second": 37}
